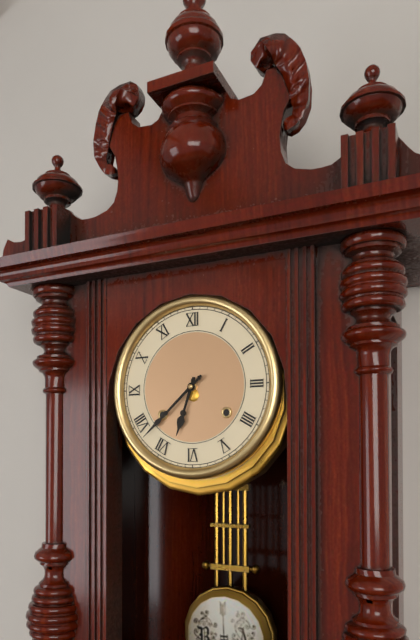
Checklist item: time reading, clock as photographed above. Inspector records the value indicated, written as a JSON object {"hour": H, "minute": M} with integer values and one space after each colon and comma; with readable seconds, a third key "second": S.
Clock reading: {"hour": 6, "minute": 38}
